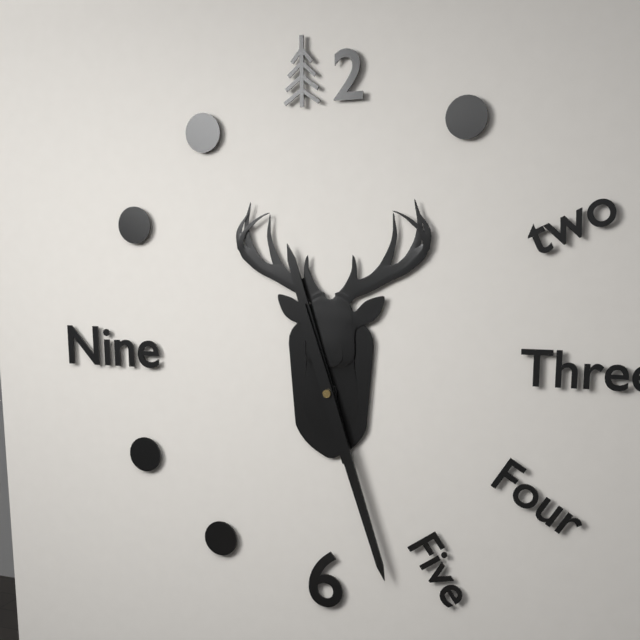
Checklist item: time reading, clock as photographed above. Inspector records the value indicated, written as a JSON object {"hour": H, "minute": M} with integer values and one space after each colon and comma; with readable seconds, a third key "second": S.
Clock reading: {"hour": 11, "minute": 27}
